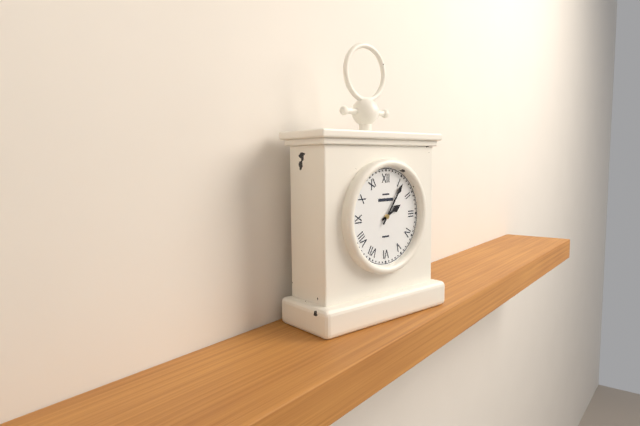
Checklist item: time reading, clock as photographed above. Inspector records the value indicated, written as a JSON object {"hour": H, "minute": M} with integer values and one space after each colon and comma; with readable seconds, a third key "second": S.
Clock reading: {"hour": 2, "minute": 6}
